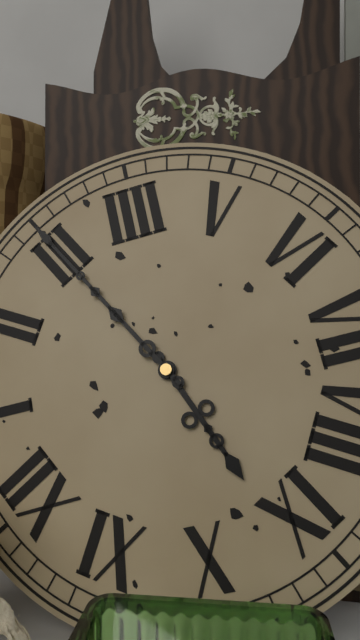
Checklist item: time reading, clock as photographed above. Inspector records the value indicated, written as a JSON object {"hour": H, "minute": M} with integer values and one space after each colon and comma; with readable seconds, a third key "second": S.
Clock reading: {"hour": 9, "minute": 15}
